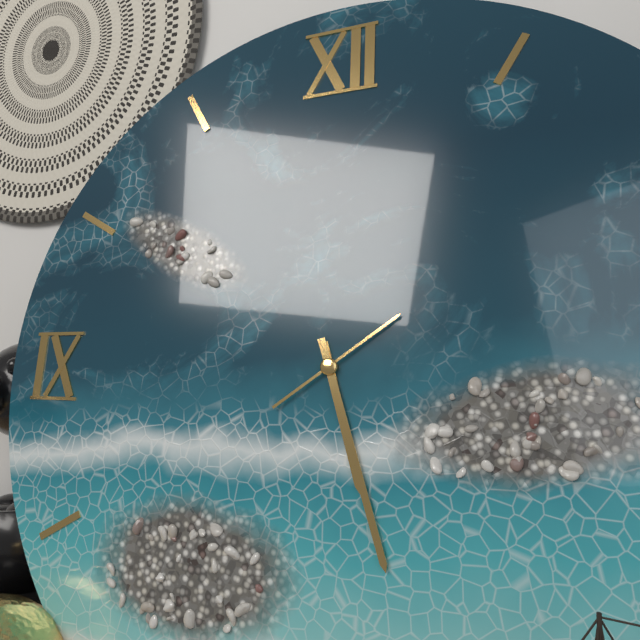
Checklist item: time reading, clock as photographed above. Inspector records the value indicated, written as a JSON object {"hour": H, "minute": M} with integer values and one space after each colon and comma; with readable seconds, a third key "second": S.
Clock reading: {"hour": 5, "minute": 27, "second": 9}
